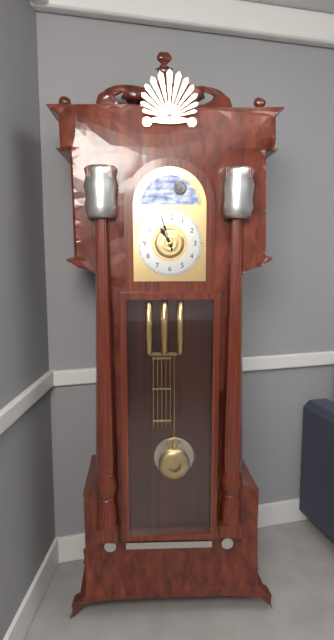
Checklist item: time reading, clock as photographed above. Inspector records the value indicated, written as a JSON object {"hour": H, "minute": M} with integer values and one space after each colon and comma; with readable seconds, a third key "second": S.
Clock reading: {"hour": 10, "minute": 57}
